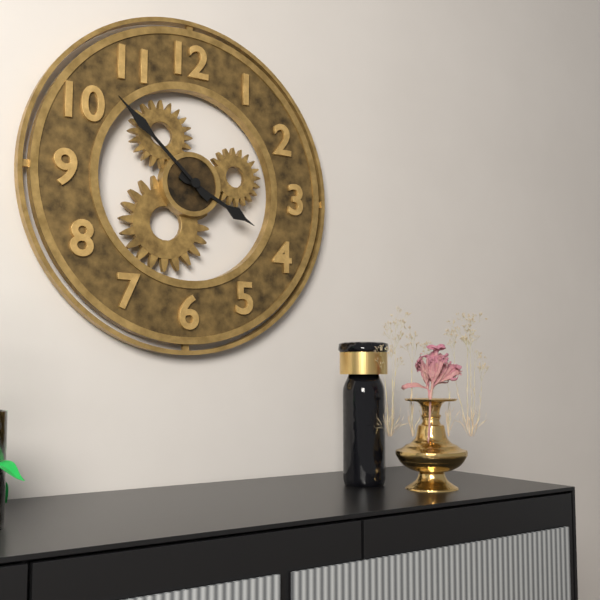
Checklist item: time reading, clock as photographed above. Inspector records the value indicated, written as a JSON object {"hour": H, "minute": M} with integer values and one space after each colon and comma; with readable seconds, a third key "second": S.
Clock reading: {"hour": 3, "minute": 52}
